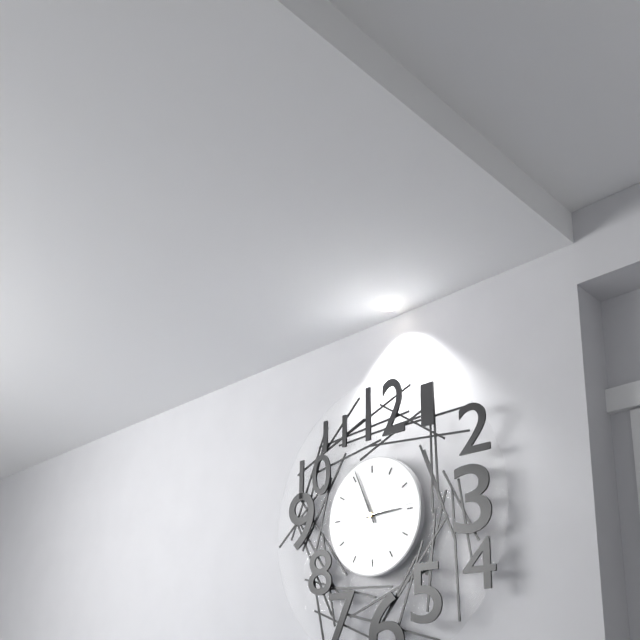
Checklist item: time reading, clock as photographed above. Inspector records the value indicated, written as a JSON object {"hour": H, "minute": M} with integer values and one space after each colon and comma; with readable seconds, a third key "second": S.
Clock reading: {"hour": 2, "minute": 56, "second": 14}
